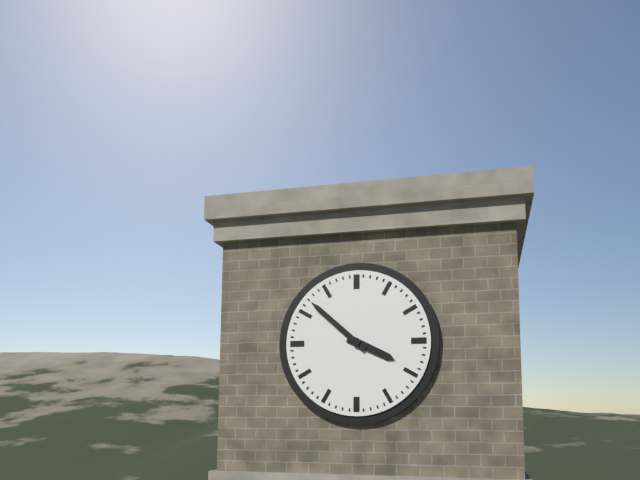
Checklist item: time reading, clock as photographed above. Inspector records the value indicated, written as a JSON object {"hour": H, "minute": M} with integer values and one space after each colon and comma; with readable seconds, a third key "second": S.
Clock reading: {"hour": 3, "minute": 52}
